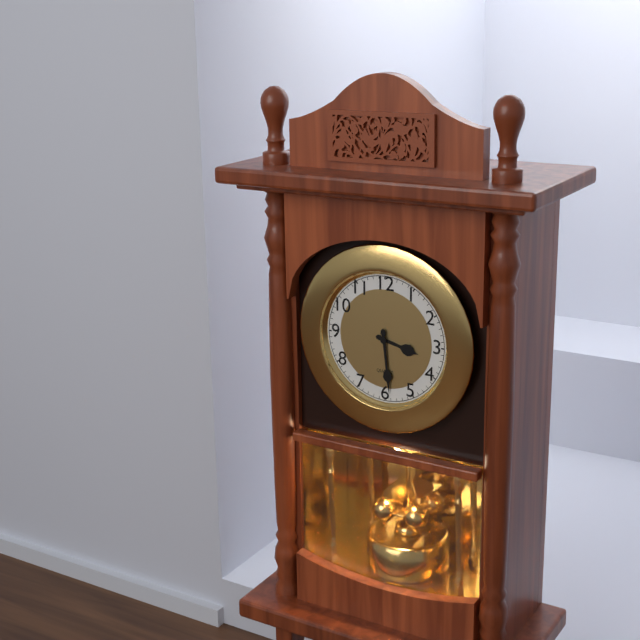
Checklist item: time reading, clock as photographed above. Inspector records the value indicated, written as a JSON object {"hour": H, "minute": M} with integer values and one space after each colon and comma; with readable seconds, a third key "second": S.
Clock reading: {"hour": 3, "minute": 29}
